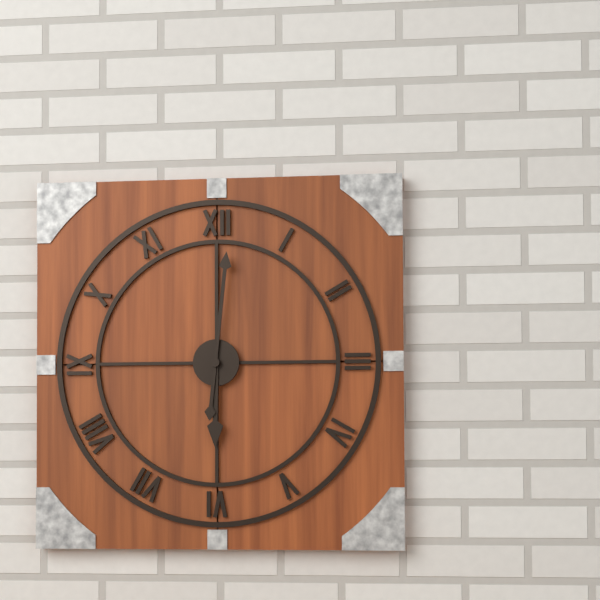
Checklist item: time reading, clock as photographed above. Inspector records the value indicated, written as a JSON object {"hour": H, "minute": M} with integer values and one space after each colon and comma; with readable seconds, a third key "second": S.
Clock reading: {"hour": 6, "minute": 1}
